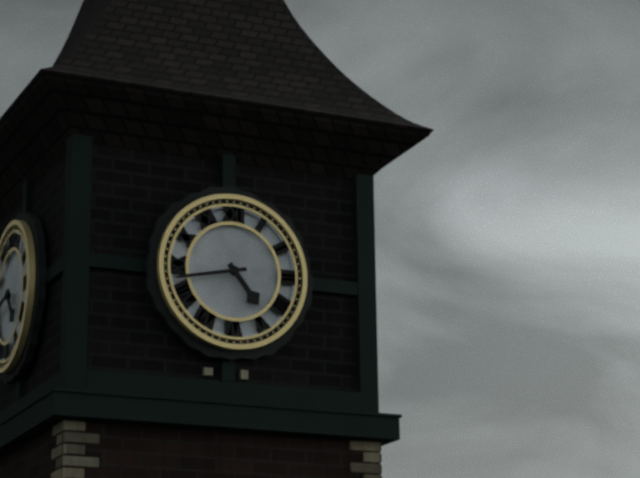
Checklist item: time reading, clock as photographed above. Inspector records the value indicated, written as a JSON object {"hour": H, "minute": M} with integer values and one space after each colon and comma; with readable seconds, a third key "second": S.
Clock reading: {"hour": 4, "minute": 43}
